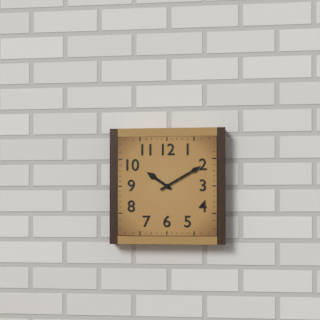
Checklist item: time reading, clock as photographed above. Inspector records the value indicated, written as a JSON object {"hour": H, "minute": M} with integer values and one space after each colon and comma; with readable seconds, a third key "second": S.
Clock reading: {"hour": 10, "minute": 10}
